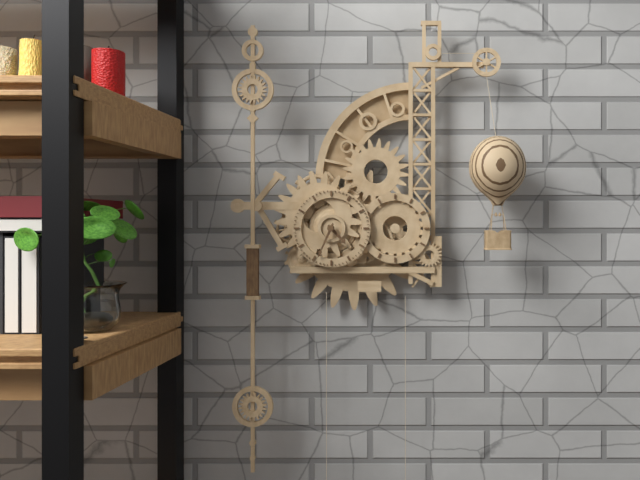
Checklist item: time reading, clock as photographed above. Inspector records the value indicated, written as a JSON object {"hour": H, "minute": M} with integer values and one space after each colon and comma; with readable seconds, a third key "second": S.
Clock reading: {"hour": 4, "minute": 34}
